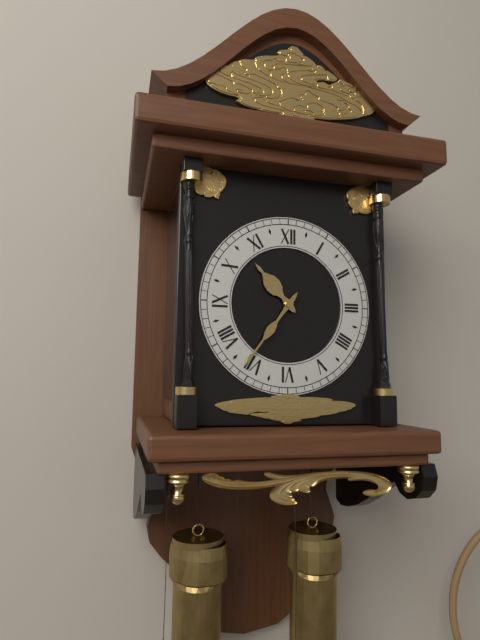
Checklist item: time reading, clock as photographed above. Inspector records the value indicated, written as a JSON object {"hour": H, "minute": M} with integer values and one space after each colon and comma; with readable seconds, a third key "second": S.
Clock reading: {"hour": 10, "minute": 36}
